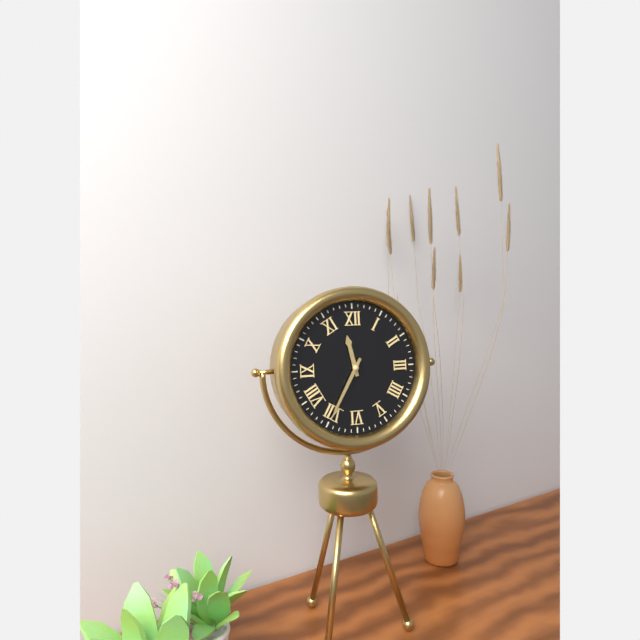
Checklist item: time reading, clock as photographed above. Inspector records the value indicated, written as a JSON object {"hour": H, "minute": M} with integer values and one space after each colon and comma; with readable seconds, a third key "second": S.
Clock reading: {"hour": 11, "minute": 35}
